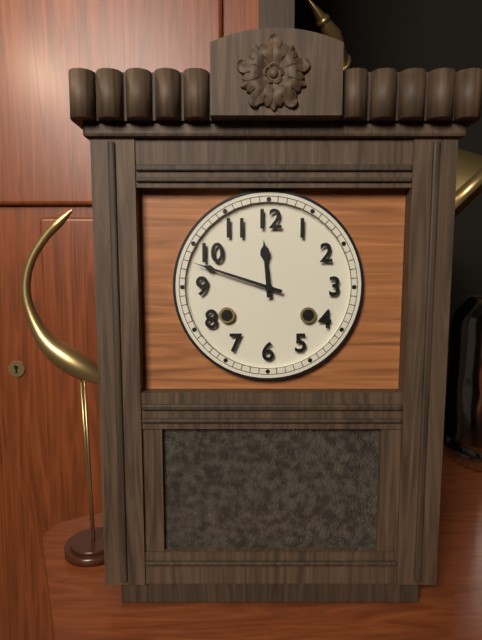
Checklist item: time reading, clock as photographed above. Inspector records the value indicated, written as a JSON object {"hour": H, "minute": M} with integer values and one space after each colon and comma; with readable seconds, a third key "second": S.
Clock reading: {"hour": 11, "minute": 48}
